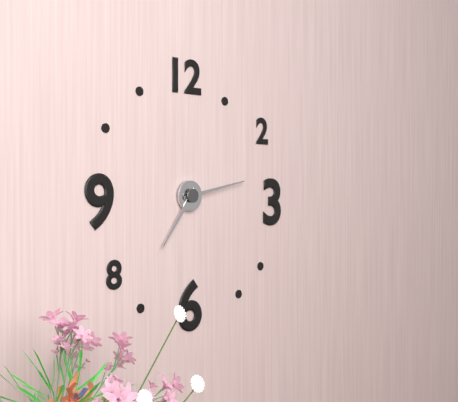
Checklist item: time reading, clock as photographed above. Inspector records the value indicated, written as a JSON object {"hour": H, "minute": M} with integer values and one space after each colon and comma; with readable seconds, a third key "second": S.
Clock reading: {"hour": 7, "minute": 13}
